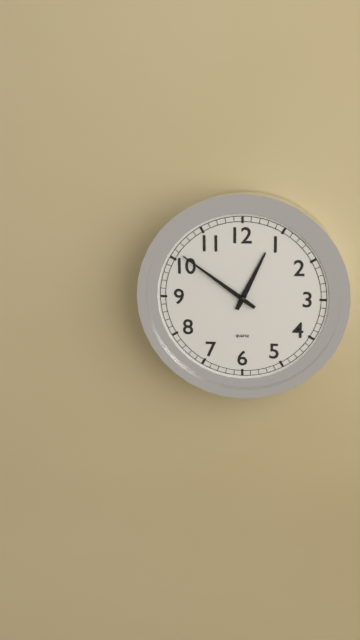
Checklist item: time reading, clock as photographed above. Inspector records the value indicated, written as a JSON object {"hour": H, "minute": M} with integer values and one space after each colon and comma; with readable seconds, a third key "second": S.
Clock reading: {"hour": 12, "minute": 51}
